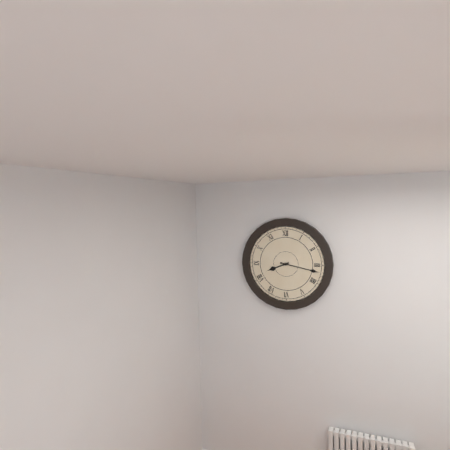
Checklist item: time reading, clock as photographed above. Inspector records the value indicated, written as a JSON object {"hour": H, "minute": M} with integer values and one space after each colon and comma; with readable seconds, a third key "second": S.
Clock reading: {"hour": 8, "minute": 17}
